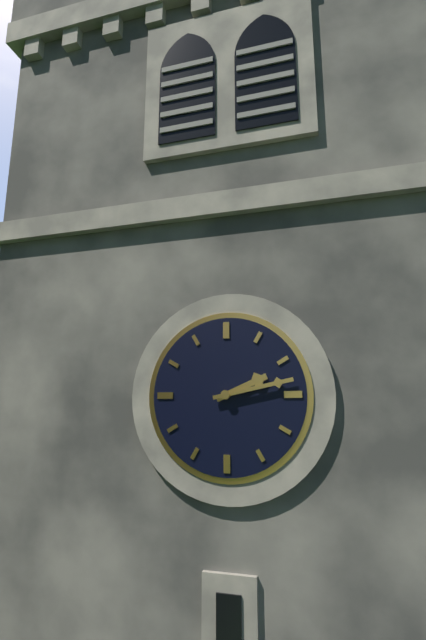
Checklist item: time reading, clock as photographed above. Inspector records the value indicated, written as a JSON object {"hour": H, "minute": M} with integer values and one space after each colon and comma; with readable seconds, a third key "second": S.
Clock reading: {"hour": 2, "minute": 13}
